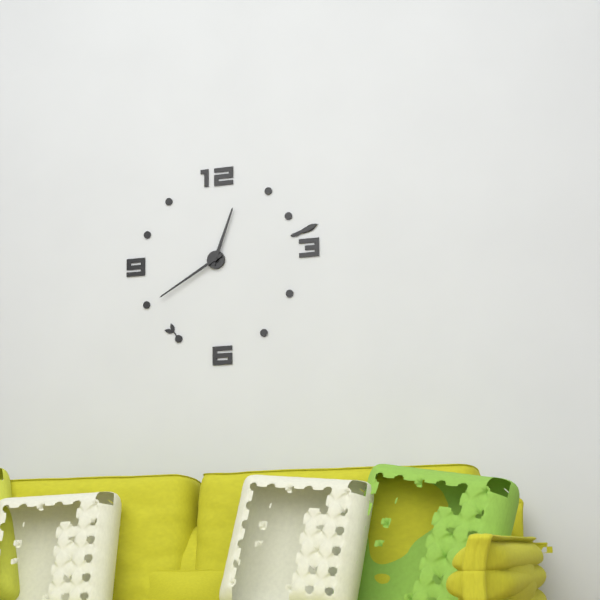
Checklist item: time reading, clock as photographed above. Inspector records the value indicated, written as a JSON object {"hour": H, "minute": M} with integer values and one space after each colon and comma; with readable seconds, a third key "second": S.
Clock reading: {"hour": 12, "minute": 40}
